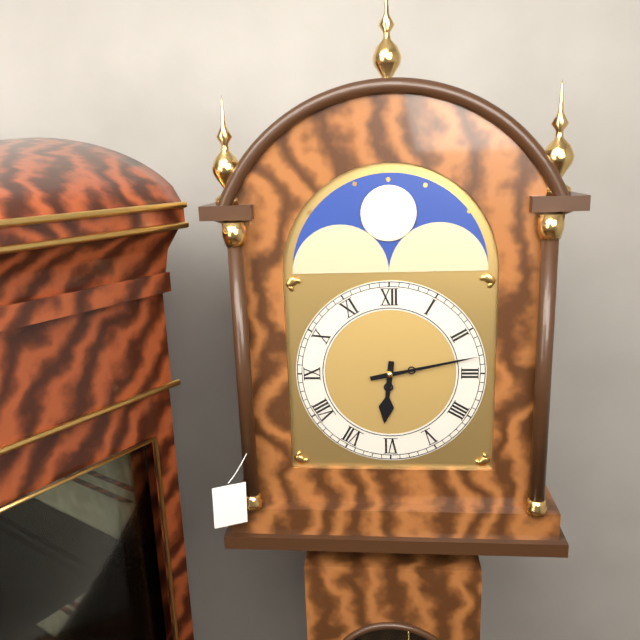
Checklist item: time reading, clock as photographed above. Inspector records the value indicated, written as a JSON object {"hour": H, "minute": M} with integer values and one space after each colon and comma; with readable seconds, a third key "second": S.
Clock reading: {"hour": 6, "minute": 13}
